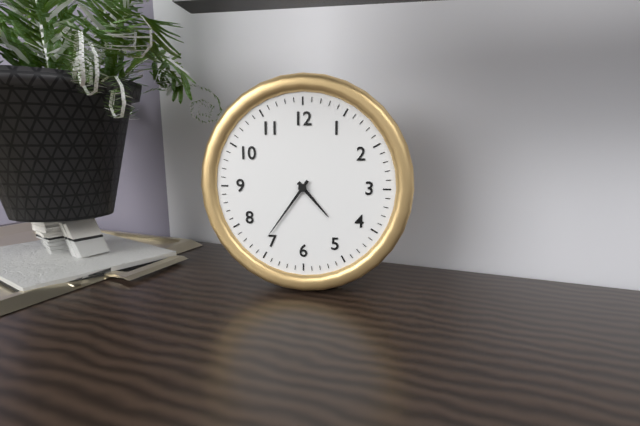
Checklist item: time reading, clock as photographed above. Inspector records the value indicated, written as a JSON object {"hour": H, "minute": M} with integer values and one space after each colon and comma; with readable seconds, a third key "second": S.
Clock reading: {"hour": 4, "minute": 36}
